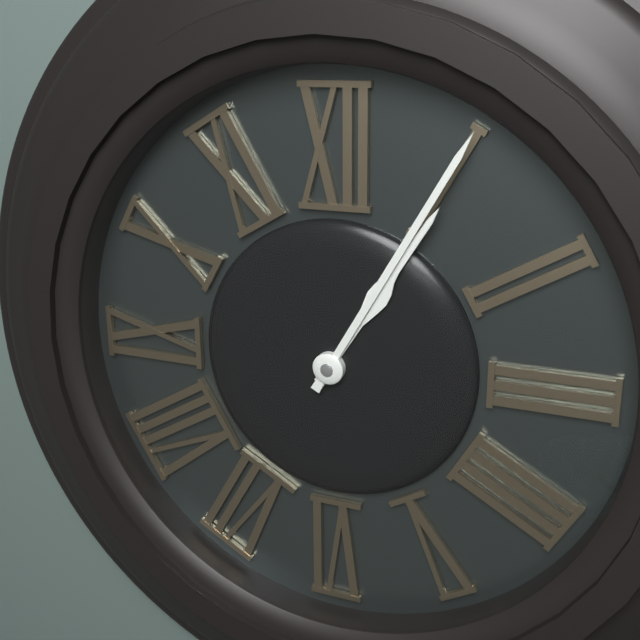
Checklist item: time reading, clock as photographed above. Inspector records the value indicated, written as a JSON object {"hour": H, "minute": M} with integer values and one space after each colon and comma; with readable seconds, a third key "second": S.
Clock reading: {"hour": 1, "minute": 5}
